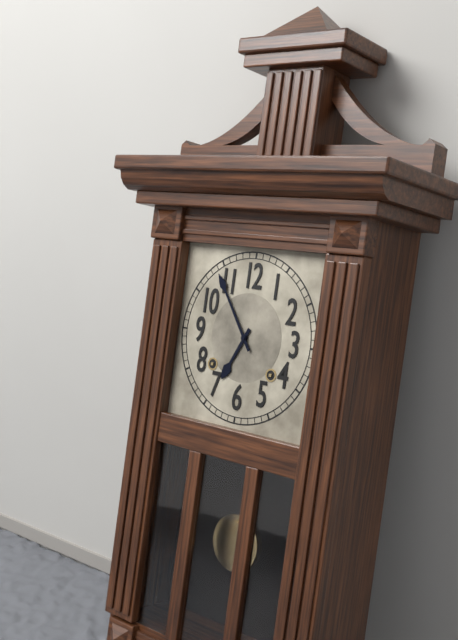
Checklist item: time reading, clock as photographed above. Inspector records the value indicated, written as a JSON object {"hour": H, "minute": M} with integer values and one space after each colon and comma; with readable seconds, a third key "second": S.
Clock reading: {"hour": 6, "minute": 54}
